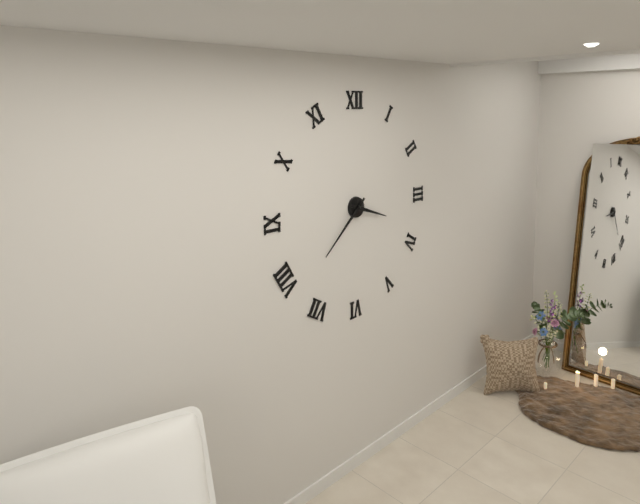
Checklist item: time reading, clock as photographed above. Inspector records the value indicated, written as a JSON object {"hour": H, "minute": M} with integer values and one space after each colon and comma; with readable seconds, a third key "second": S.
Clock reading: {"hour": 3, "minute": 38}
